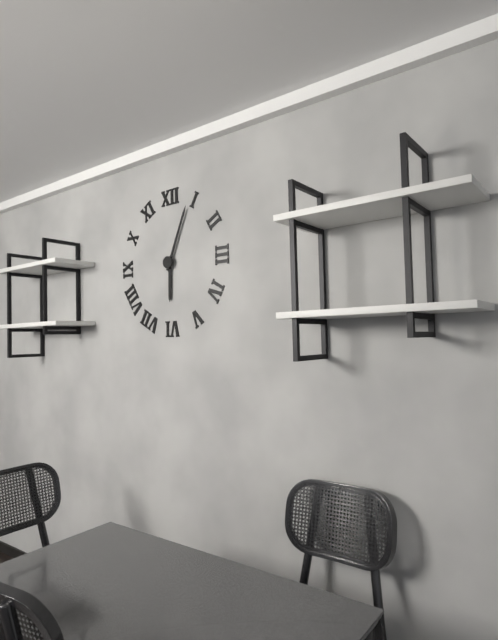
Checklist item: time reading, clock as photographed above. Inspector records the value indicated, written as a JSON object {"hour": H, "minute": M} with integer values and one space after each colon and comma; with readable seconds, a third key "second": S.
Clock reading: {"hour": 6, "minute": 4}
